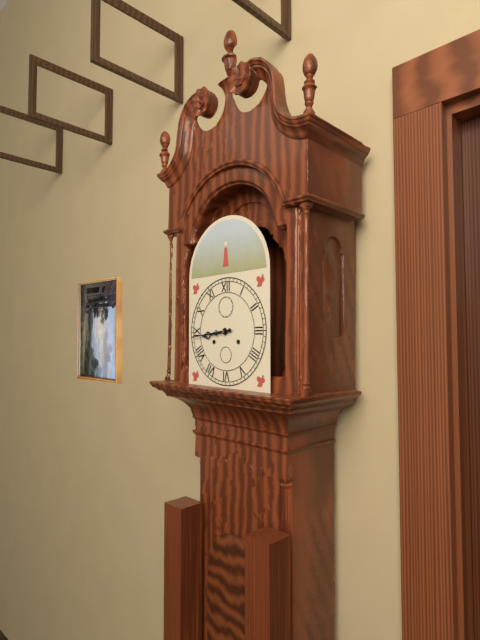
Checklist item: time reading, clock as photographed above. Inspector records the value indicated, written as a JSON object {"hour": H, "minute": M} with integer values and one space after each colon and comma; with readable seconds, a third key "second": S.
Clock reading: {"hour": 8, "minute": 44}
